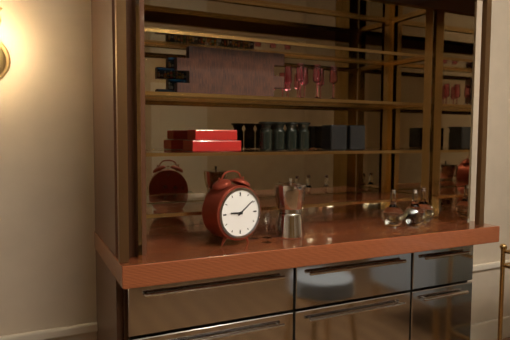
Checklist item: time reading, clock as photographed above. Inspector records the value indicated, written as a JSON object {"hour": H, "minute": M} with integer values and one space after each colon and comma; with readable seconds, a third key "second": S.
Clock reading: {"hour": 9, "minute": 9}
